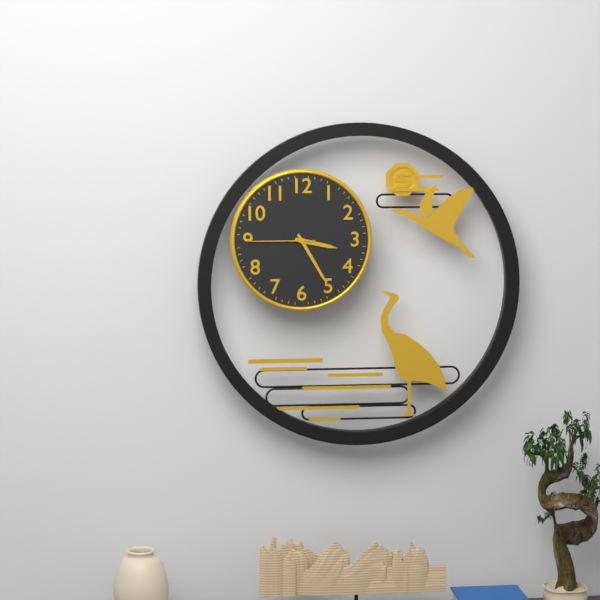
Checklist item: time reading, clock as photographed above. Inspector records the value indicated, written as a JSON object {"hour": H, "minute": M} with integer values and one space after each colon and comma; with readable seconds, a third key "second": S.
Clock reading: {"hour": 3, "minute": 25, "second": 45}
